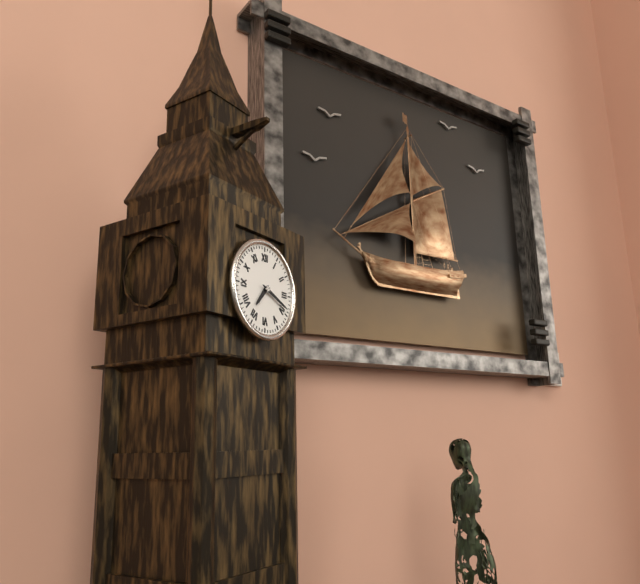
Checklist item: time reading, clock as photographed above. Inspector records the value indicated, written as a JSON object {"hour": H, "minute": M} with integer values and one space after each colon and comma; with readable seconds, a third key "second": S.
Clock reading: {"hour": 7, "minute": 19}
